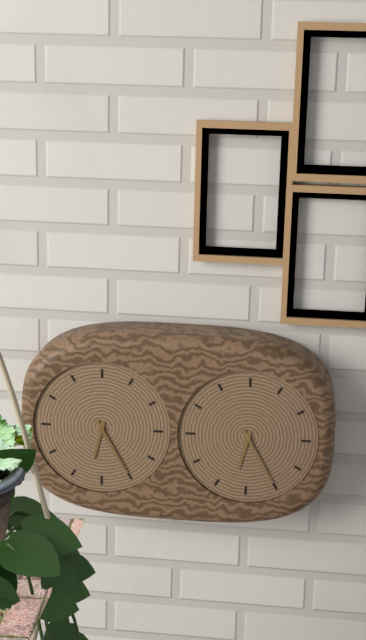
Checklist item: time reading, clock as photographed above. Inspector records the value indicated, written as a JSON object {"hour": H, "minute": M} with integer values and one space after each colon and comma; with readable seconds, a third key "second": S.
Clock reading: {"hour": 6, "minute": 25}
